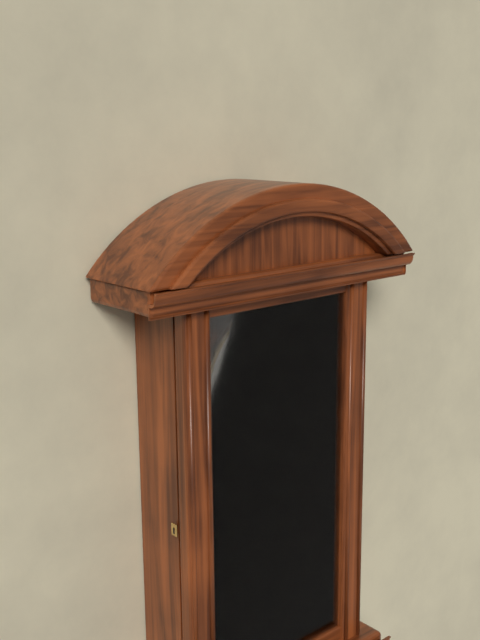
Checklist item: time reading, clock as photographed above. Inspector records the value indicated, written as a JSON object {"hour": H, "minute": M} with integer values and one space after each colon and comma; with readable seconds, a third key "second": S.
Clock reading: {"hour": 5, "minute": 27}
